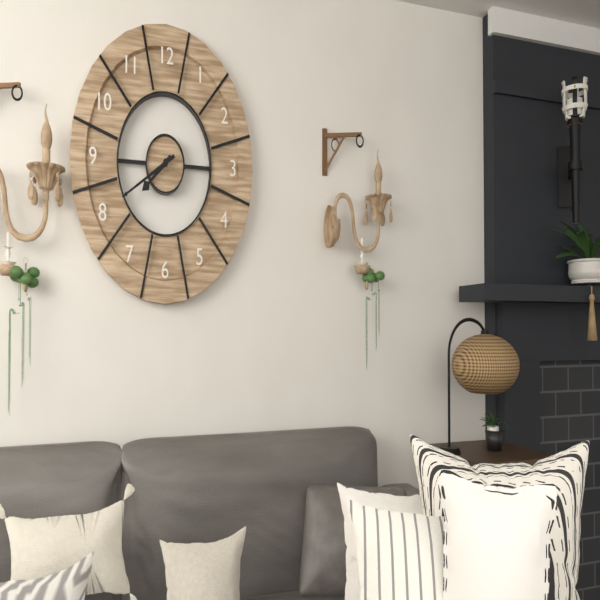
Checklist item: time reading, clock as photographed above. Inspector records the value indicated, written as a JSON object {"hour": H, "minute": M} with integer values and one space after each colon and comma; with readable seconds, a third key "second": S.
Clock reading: {"hour": 7, "minute": 40}
